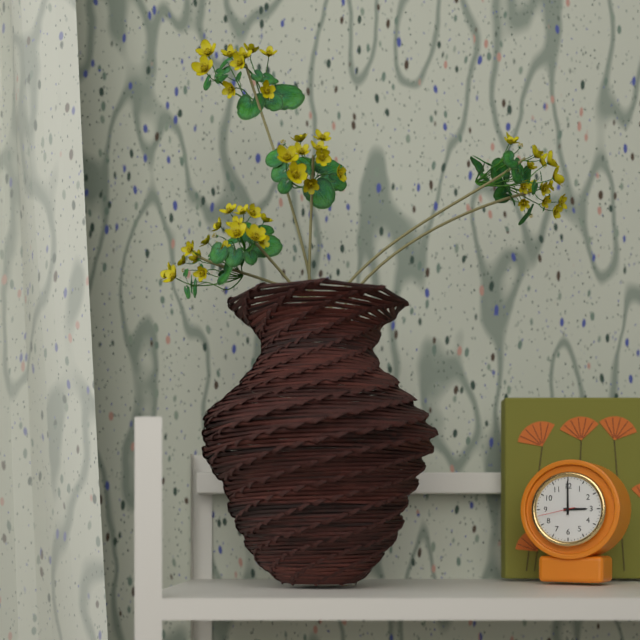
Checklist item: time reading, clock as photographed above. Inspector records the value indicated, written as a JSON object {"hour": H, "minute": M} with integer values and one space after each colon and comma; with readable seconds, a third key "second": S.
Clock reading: {"hour": 3, "minute": 0}
